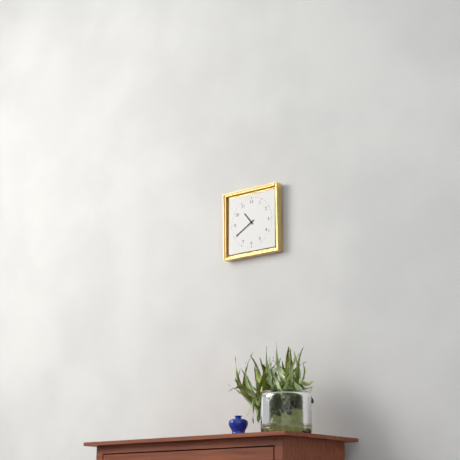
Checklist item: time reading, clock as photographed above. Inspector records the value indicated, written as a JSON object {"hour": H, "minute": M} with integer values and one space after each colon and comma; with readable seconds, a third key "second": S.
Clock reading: {"hour": 10, "minute": 40}
